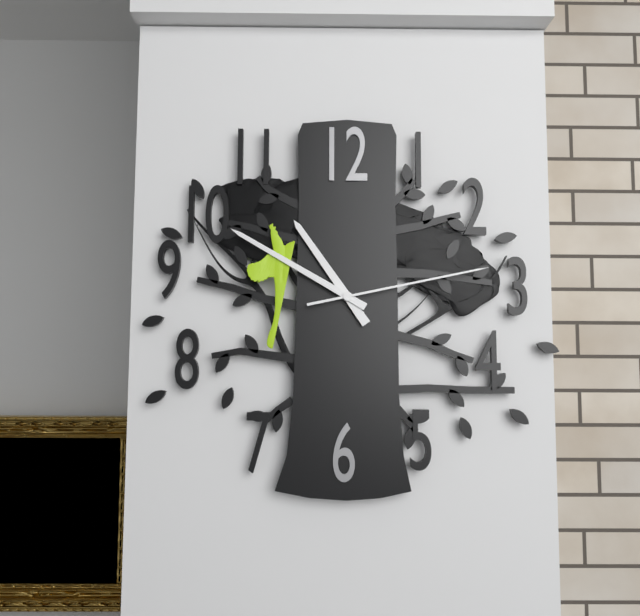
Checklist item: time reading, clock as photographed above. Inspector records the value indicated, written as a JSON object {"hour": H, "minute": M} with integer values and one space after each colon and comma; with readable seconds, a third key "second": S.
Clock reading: {"hour": 10, "minute": 50, "second": 13}
